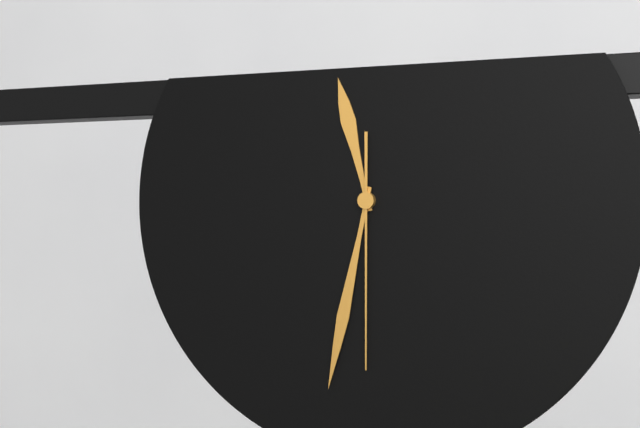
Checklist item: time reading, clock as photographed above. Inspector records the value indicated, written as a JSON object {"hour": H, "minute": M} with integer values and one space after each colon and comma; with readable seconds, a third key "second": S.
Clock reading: {"hour": 11, "minute": 32, "second": 30}
